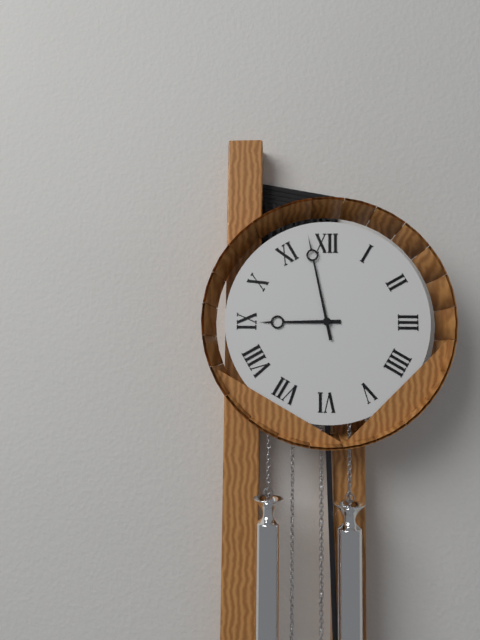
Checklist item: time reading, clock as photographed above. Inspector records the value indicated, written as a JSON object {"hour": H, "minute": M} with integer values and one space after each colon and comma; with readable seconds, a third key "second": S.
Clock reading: {"hour": 8, "minute": 58}
